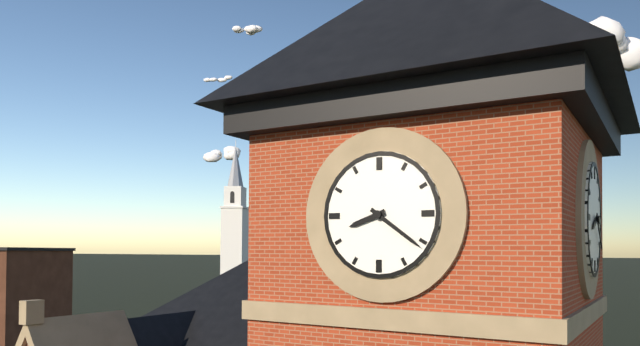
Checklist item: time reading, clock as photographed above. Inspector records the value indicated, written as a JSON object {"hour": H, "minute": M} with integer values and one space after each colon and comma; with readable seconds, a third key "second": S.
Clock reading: {"hour": 8, "minute": 21}
